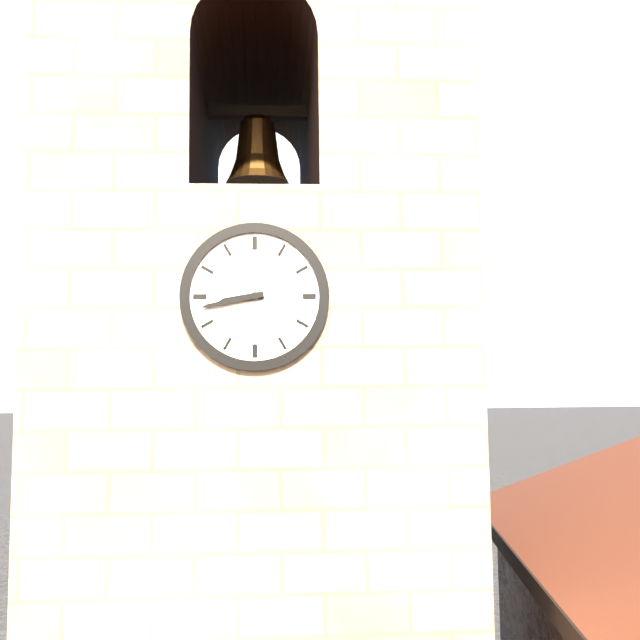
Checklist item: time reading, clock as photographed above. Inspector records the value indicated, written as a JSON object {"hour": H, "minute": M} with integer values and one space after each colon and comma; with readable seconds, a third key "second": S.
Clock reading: {"hour": 8, "minute": 43}
